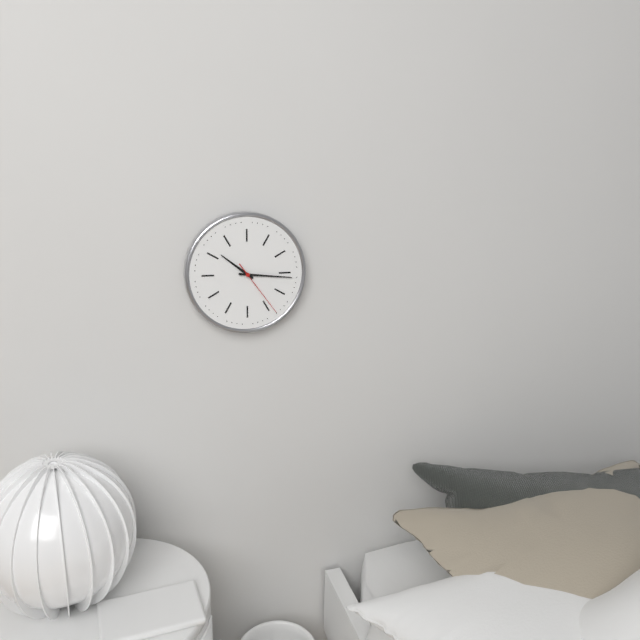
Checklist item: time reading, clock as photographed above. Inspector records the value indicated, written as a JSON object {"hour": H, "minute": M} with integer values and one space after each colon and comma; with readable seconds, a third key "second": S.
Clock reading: {"hour": 10, "minute": 16, "second": 24}
